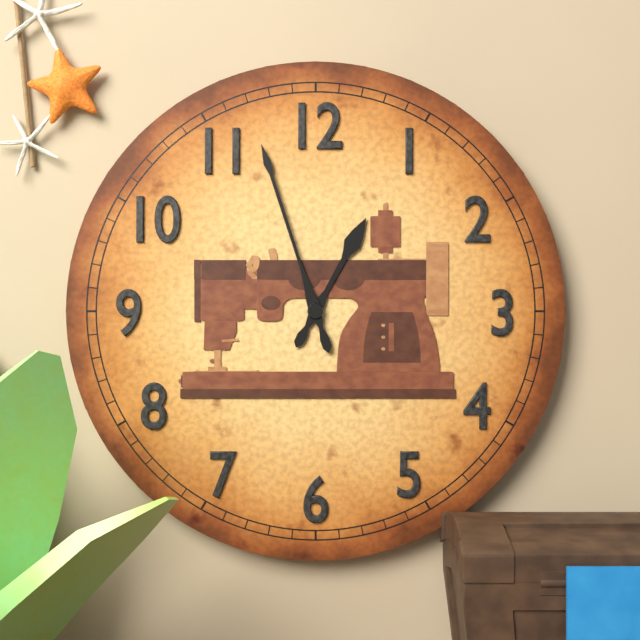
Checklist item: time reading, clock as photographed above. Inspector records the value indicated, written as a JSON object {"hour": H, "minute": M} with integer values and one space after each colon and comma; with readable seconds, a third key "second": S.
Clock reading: {"hour": 12, "minute": 57}
